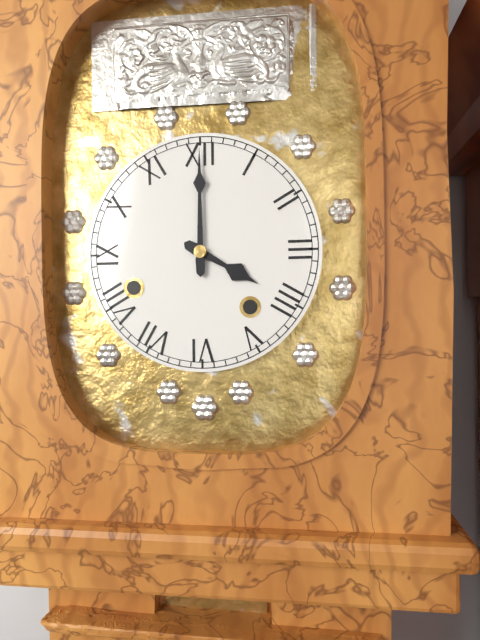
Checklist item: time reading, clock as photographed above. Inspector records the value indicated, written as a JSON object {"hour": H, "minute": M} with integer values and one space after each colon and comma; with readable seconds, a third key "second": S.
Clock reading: {"hour": 4, "minute": 0}
